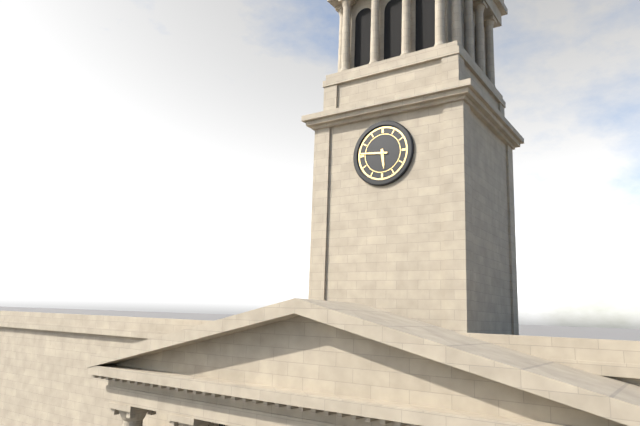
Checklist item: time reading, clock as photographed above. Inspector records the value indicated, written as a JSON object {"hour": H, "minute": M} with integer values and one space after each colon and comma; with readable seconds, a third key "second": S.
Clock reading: {"hour": 5, "minute": 46}
